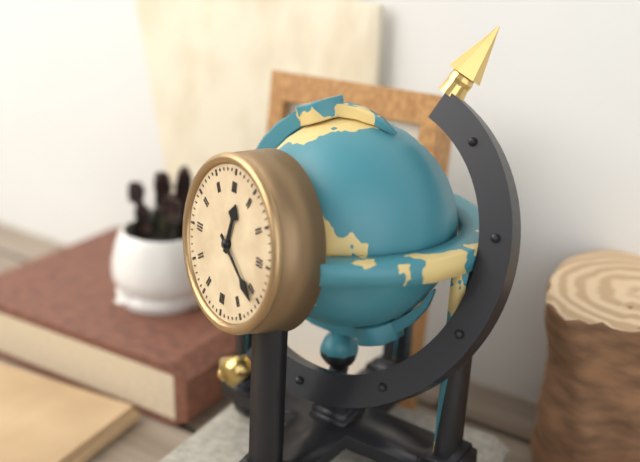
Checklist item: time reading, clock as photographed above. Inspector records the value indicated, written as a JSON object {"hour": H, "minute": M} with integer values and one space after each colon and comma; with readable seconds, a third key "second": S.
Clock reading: {"hour": 12, "minute": 21}
